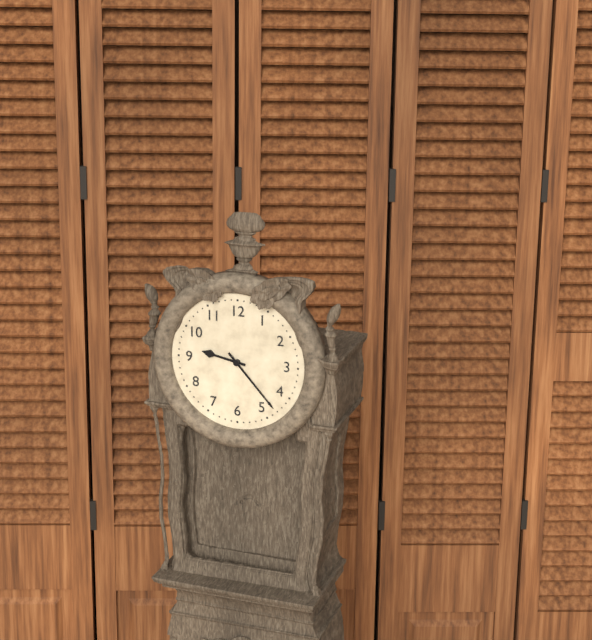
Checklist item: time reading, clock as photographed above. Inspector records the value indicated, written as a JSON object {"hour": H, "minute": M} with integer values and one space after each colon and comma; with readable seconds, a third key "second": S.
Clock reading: {"hour": 9, "minute": 23}
